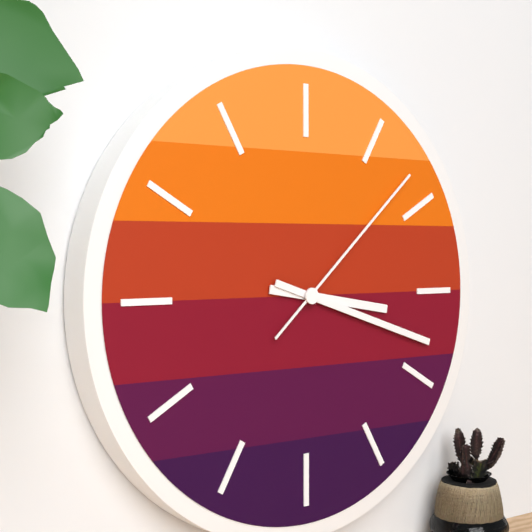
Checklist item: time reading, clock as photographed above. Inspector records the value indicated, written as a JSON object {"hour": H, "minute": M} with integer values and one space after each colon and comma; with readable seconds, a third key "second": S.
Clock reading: {"hour": 3, "minute": 18, "second": 8}
